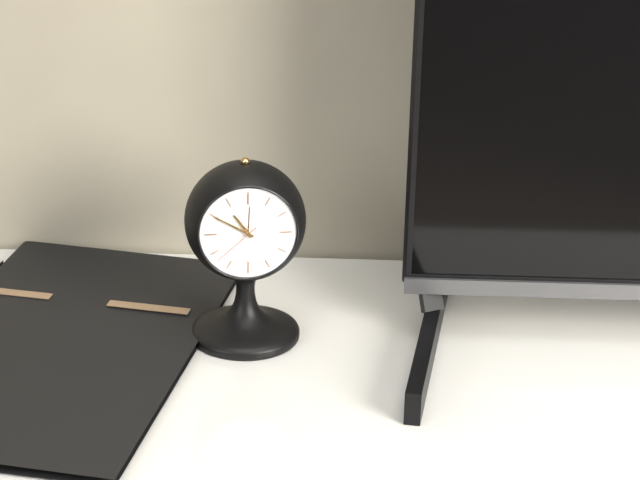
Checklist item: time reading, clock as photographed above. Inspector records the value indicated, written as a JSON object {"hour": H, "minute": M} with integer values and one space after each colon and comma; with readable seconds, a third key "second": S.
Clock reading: {"hour": 10, "minute": 50, "second": 38}
